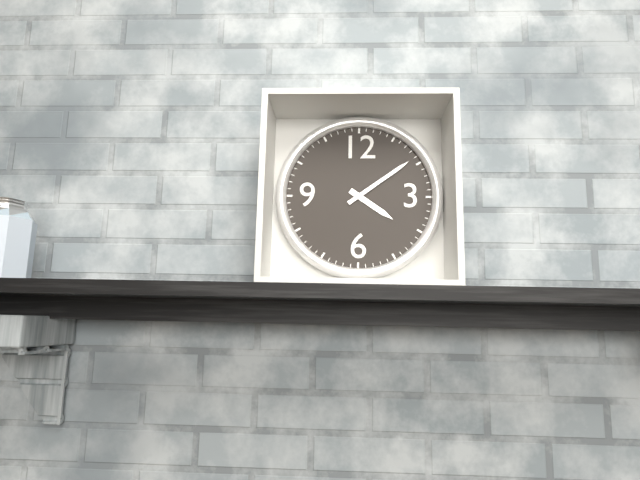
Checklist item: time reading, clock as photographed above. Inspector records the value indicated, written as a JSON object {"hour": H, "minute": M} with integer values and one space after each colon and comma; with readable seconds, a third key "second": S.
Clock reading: {"hour": 4, "minute": 9}
